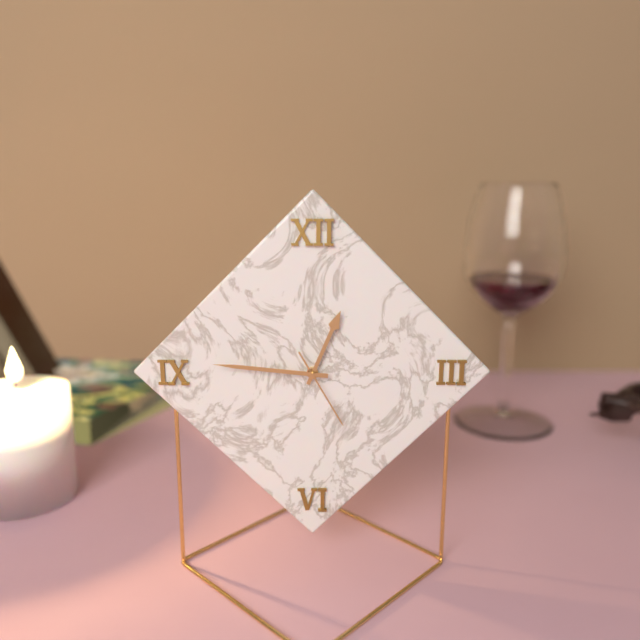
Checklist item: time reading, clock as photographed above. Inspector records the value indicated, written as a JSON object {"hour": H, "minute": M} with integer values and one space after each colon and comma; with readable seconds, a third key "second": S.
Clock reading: {"hour": 12, "minute": 46, "second": 25}
